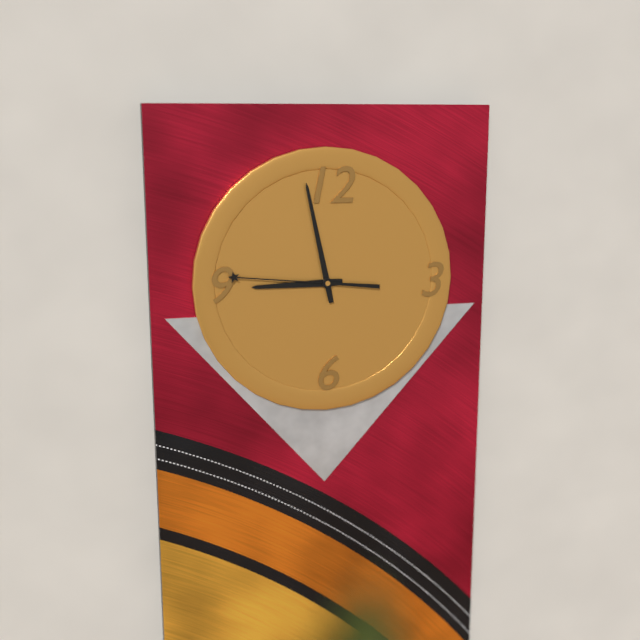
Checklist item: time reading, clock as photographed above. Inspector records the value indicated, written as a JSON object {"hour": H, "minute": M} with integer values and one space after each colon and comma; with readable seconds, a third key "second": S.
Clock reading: {"hour": 8, "minute": 58, "second": 46}
